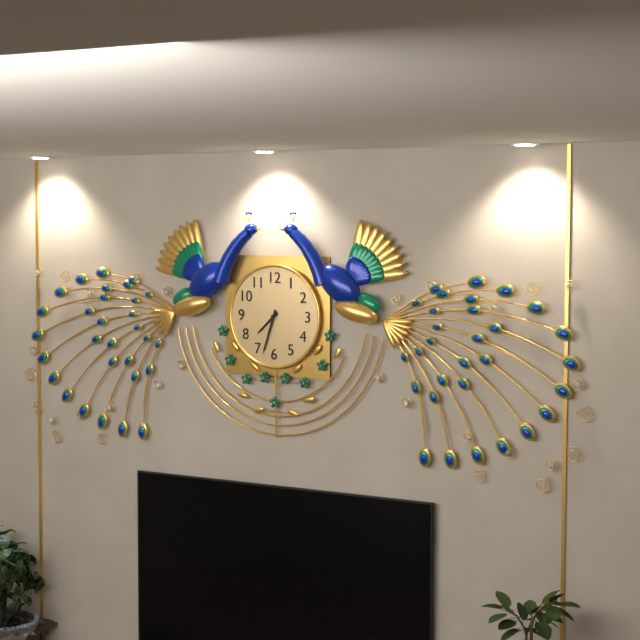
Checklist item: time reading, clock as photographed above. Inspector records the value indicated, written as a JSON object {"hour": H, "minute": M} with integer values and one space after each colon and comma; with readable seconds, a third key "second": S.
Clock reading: {"hour": 7, "minute": 33}
